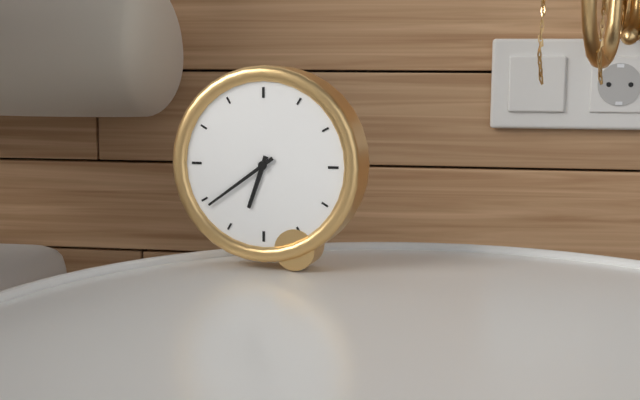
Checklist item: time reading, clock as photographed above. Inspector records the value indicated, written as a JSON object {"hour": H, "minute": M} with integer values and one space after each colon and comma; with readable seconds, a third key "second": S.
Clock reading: {"hour": 6, "minute": 39}
